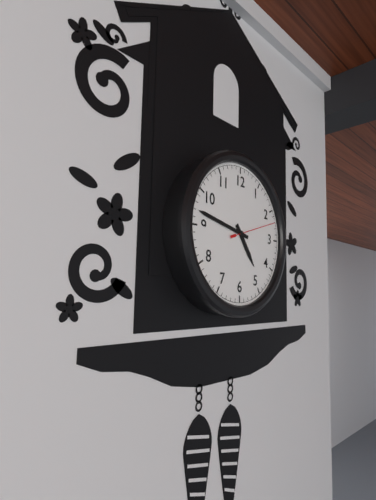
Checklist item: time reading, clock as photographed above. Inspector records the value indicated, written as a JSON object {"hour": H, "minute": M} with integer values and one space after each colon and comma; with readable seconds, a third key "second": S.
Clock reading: {"hour": 4, "minute": 47}
